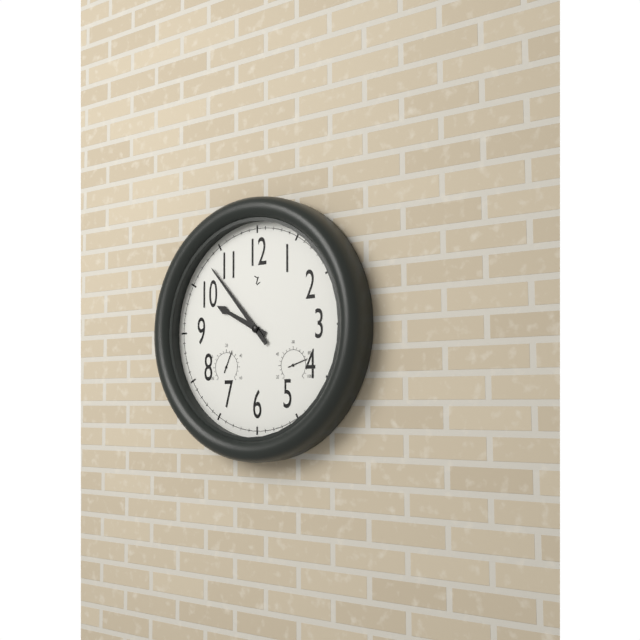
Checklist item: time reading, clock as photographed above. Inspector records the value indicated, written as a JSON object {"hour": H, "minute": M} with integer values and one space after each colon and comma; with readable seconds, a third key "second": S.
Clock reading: {"hour": 9, "minute": 53}
